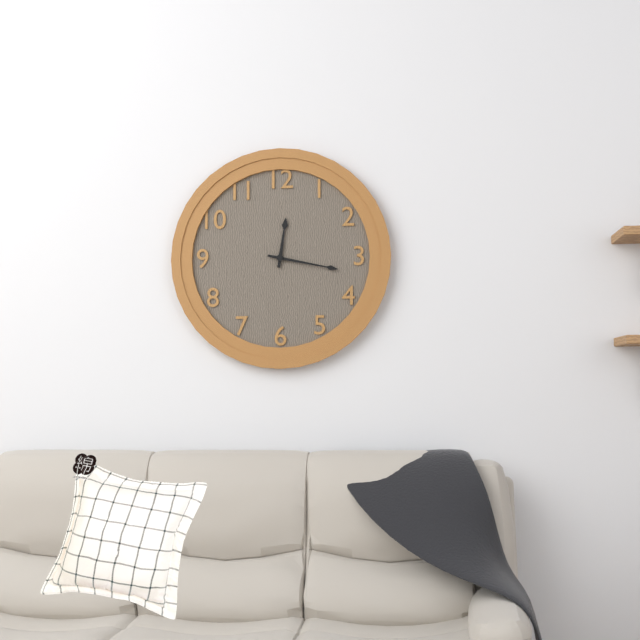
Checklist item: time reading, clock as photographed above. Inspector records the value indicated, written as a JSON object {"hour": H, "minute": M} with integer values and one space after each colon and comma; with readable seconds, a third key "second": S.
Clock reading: {"hour": 12, "minute": 17}
